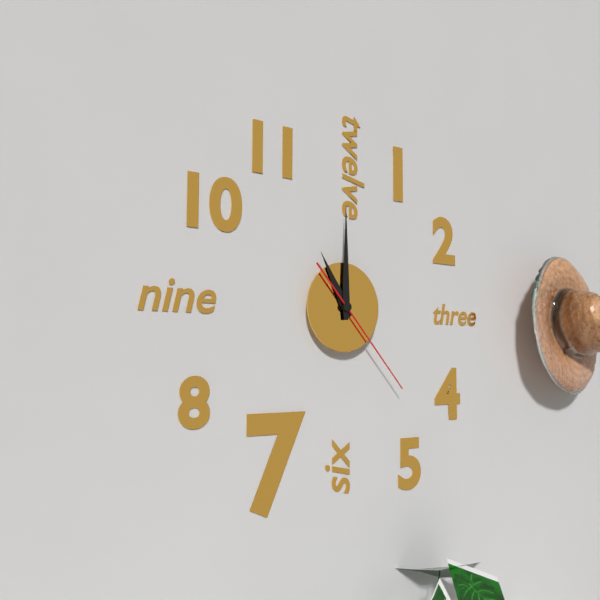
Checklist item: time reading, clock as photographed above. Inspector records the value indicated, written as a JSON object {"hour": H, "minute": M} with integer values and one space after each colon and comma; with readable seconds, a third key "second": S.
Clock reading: {"hour": 11, "minute": 0, "second": 23}
